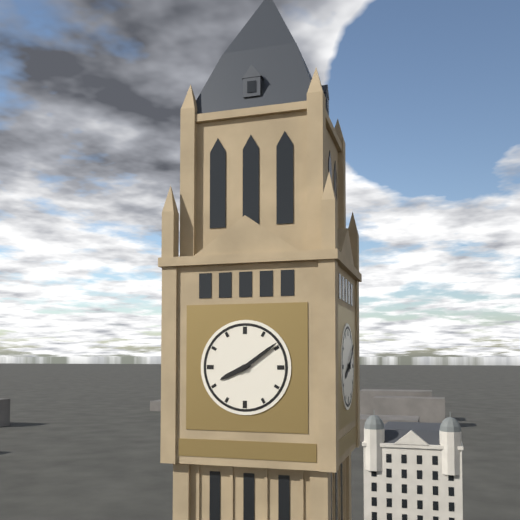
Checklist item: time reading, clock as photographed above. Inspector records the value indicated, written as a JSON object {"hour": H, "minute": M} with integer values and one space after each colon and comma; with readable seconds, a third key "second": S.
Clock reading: {"hour": 8, "minute": 9}
